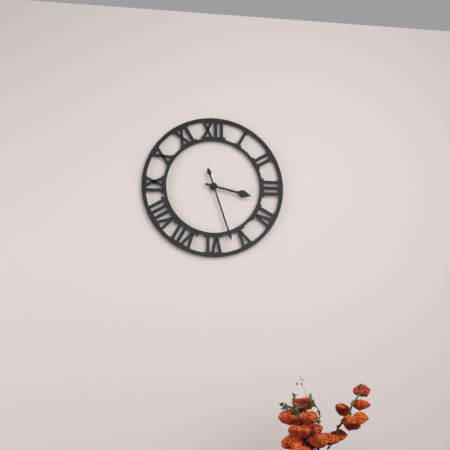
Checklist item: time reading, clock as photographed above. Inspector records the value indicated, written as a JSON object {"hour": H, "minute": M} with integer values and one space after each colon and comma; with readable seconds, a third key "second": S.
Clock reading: {"hour": 3, "minute": 27}
